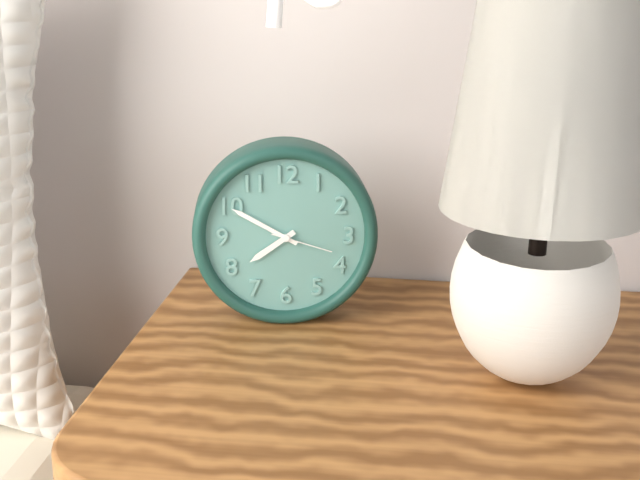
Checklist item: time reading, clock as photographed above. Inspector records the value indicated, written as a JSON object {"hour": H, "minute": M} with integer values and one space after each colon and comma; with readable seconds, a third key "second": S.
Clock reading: {"hour": 7, "minute": 50, "second": 18}
